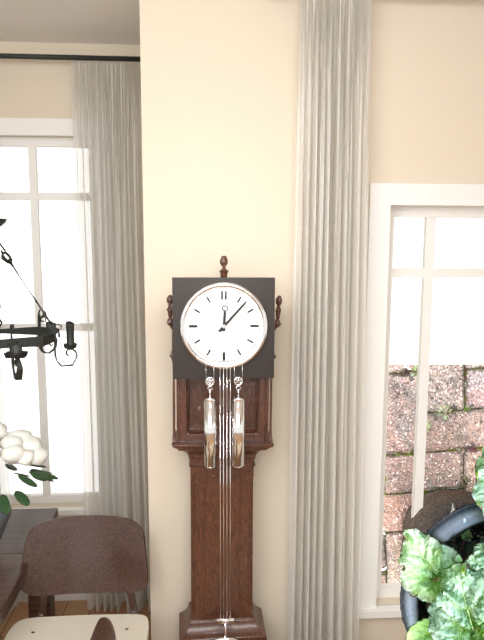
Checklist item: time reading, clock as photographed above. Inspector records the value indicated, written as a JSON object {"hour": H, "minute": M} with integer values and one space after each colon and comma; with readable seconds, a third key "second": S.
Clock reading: {"hour": 12, "minute": 7}
